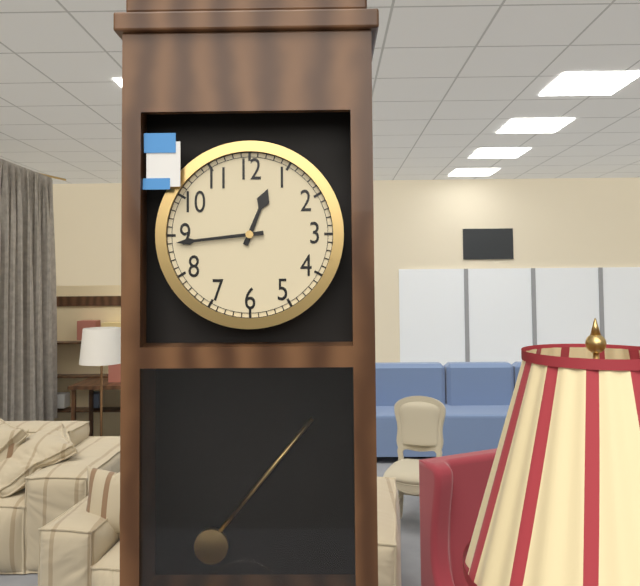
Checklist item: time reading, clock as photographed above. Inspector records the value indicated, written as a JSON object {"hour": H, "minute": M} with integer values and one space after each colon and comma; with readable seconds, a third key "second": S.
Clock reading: {"hour": 12, "minute": 44}
